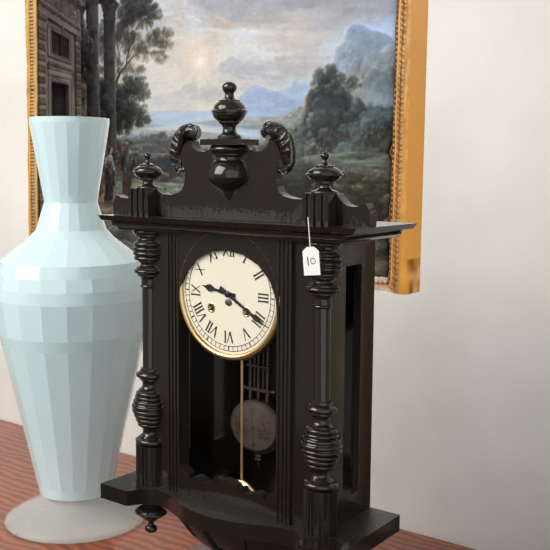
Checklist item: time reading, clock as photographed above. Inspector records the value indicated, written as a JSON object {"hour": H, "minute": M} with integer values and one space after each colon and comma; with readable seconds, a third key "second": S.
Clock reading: {"hour": 9, "minute": 20}
